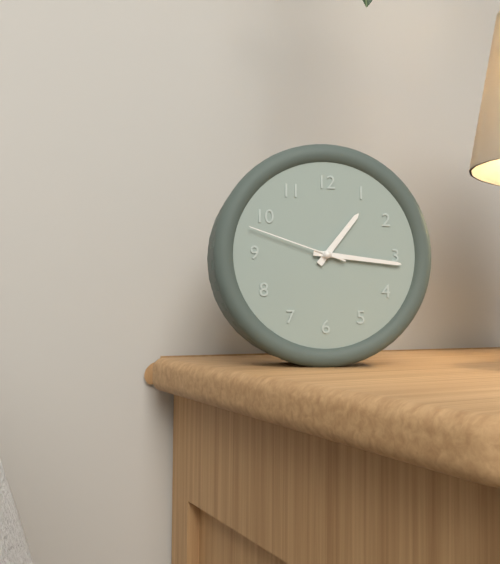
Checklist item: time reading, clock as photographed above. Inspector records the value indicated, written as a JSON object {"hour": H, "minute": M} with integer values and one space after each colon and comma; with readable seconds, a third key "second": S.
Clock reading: {"hour": 1, "minute": 16, "second": 48}
